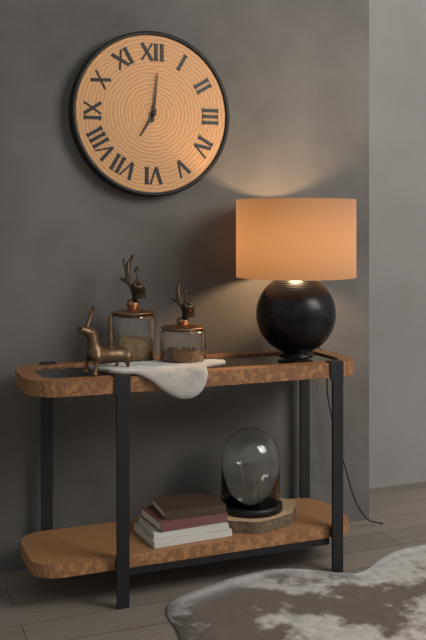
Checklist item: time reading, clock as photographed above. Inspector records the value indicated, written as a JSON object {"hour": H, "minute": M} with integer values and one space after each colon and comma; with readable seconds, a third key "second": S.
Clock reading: {"hour": 7, "minute": 1}
